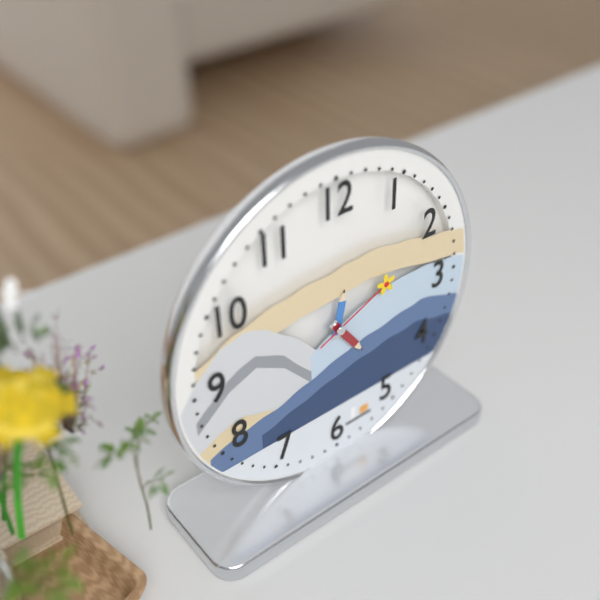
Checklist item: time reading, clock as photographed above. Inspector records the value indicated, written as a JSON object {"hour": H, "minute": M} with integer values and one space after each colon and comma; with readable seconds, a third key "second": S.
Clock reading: {"hour": 12, "minute": 24, "second": 11}
